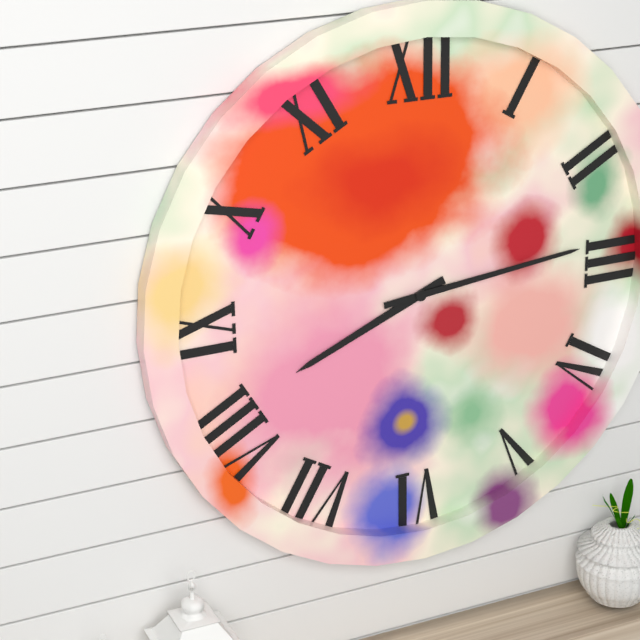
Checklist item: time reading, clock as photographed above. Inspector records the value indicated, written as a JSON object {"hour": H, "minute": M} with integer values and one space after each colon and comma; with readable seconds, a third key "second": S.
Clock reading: {"hour": 8, "minute": 14}
